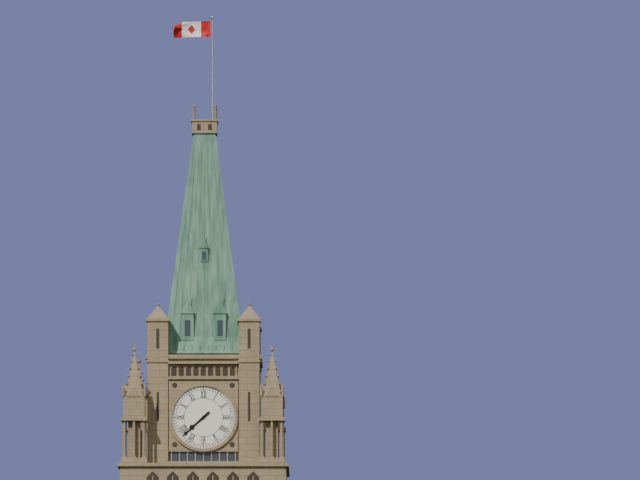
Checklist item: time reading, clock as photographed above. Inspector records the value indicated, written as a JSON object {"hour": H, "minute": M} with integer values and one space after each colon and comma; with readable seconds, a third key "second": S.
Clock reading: {"hour": 7, "minute": 38}
